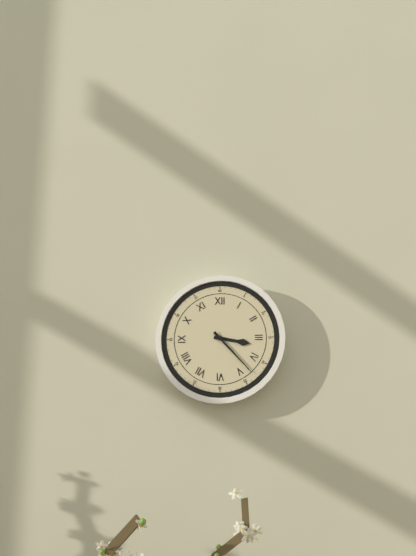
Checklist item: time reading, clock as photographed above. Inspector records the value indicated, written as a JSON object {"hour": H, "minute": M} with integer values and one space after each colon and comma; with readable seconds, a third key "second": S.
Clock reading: {"hour": 3, "minute": 23}
